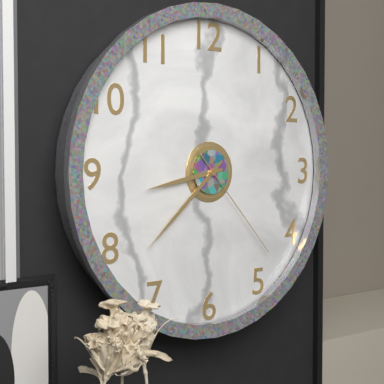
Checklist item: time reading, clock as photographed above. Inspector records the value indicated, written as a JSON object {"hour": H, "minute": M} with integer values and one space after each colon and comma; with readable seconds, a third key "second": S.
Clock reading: {"hour": 8, "minute": 38, "second": 23}
